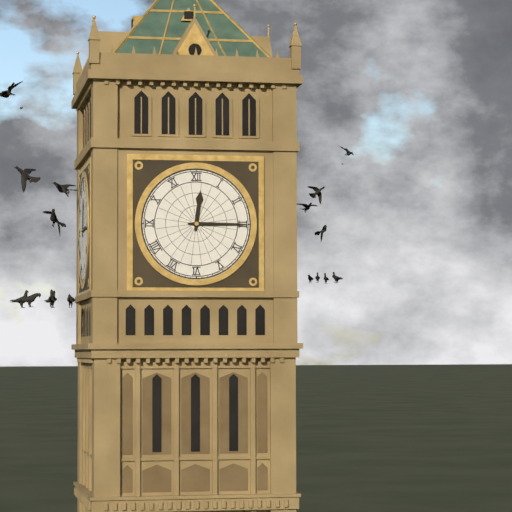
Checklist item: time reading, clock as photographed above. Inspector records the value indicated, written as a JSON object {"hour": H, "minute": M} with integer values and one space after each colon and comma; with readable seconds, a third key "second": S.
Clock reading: {"hour": 12, "minute": 15}
